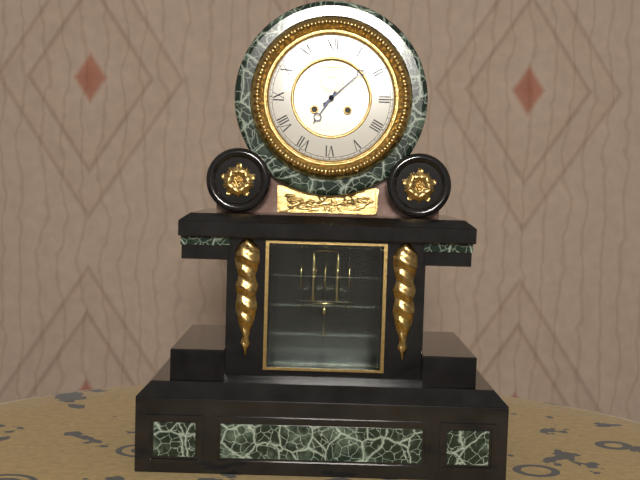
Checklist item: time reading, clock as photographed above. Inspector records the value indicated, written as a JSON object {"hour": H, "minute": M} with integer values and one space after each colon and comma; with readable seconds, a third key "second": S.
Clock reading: {"hour": 7, "minute": 8}
